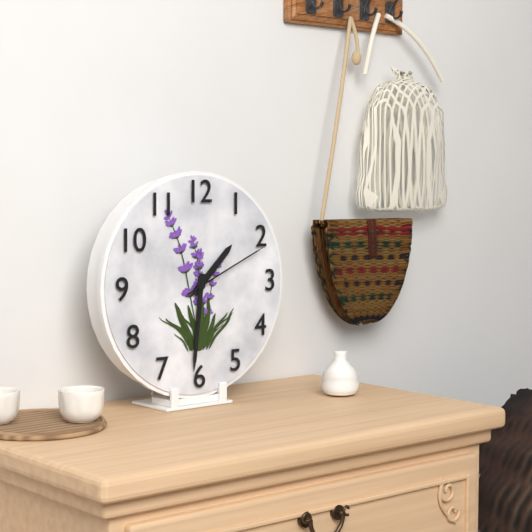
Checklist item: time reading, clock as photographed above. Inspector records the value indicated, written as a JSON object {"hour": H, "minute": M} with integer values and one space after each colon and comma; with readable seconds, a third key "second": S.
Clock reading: {"hour": 1, "minute": 31, "second": 11}
